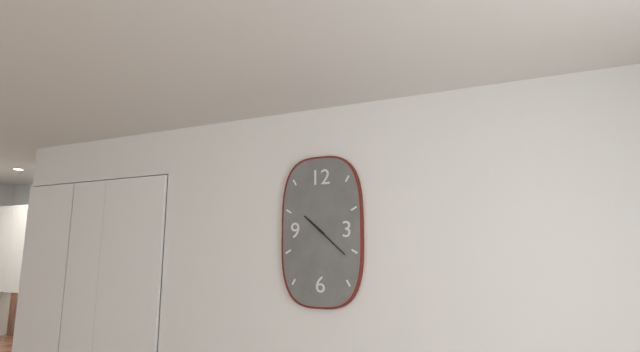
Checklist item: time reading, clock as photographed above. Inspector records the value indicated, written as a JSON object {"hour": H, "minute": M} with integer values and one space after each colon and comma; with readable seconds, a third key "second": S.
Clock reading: {"hour": 10, "minute": 22}
